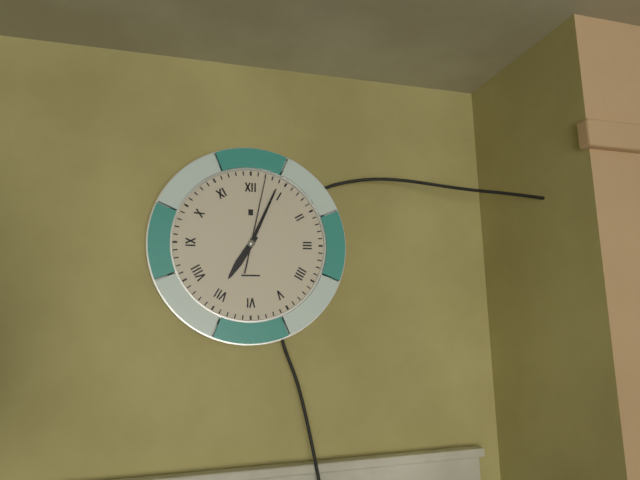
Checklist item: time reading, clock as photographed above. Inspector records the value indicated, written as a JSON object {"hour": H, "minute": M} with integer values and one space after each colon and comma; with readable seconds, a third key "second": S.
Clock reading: {"hour": 7, "minute": 4, "second": 2}
